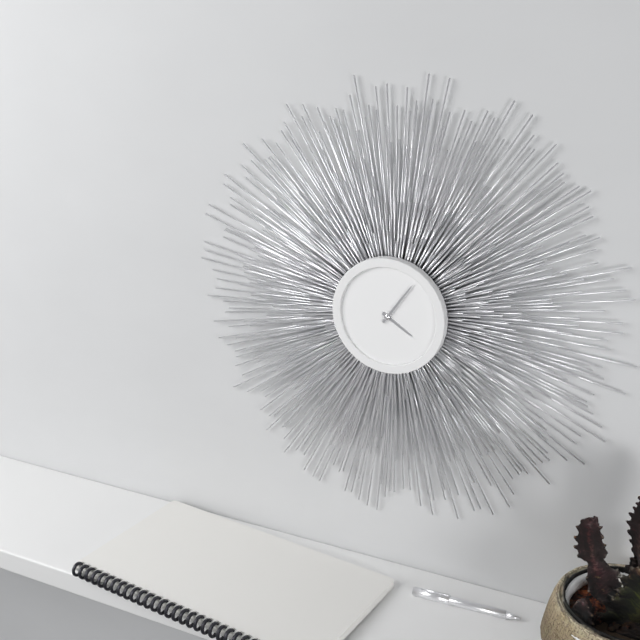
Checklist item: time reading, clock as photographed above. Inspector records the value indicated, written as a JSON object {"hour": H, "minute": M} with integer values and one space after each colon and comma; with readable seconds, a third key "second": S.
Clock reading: {"hour": 4, "minute": 6}
